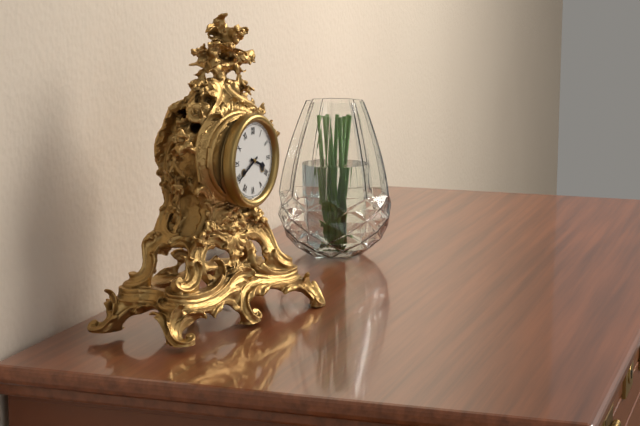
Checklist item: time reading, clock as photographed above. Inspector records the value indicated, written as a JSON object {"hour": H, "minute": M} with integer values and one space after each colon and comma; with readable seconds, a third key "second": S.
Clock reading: {"hour": 3, "minute": 40}
